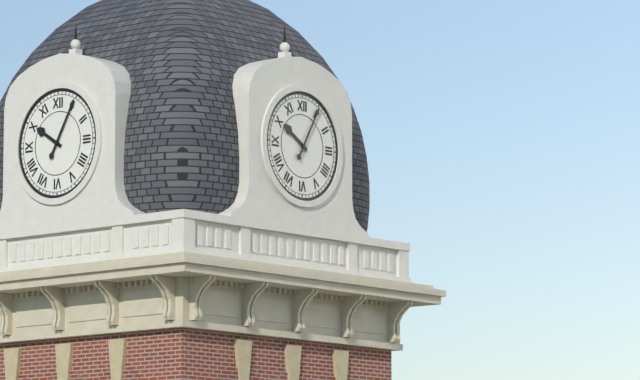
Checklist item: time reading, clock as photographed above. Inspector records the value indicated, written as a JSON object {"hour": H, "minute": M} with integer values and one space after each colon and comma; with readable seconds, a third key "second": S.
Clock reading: {"hour": 10, "minute": 5}
